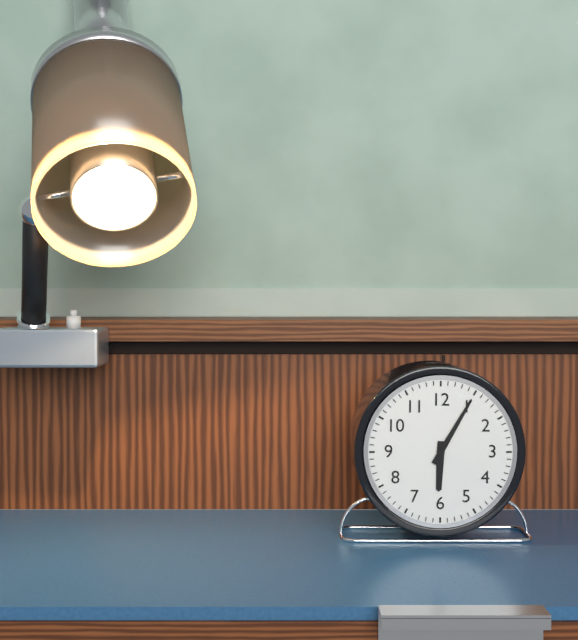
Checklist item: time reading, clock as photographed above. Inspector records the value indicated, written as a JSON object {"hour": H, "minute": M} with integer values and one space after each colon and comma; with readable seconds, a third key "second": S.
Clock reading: {"hour": 6, "minute": 5}
